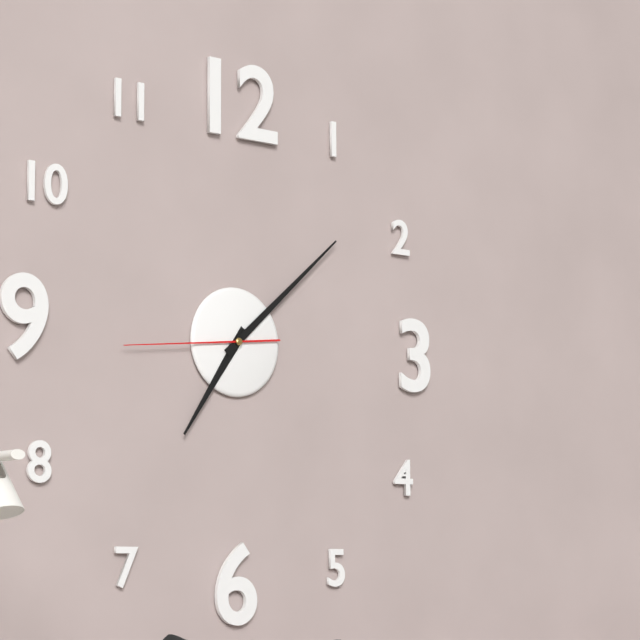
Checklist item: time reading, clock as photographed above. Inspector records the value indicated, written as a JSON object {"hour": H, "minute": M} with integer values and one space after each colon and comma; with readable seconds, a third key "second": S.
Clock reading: {"hour": 7, "minute": 8, "second": 44}
